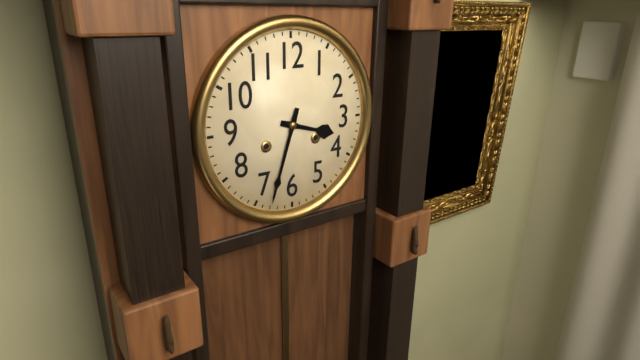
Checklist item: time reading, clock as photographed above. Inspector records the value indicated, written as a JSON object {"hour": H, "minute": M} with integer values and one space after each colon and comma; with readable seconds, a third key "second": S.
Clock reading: {"hour": 3, "minute": 33}
